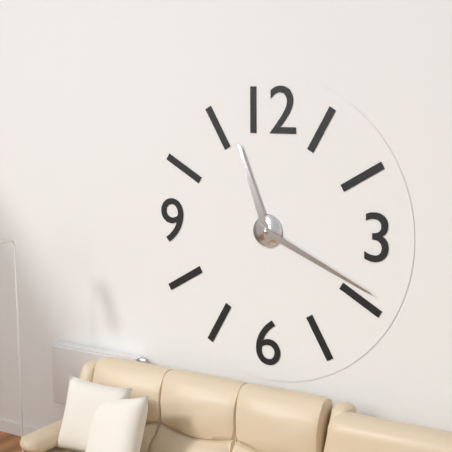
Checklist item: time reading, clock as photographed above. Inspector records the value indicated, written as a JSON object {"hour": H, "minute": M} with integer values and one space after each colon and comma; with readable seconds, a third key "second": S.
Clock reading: {"hour": 11, "minute": 19}
